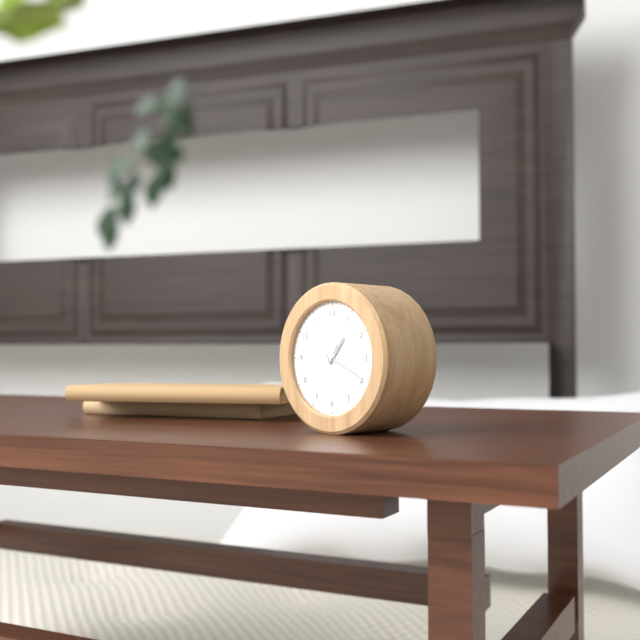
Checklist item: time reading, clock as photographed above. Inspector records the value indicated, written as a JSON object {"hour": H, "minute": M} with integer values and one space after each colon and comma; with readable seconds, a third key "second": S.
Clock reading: {"hour": 1, "minute": 19, "second": 6}
